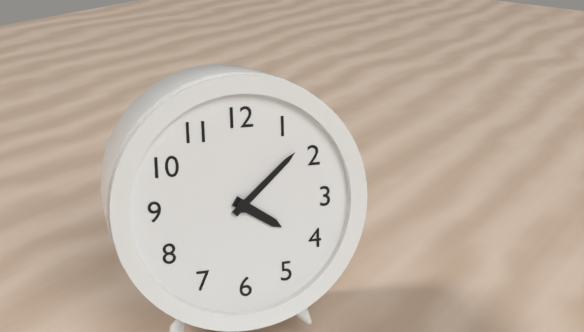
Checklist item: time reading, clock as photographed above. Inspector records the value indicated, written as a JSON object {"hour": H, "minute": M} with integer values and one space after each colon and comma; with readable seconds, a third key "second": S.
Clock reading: {"hour": 4, "minute": 8}
